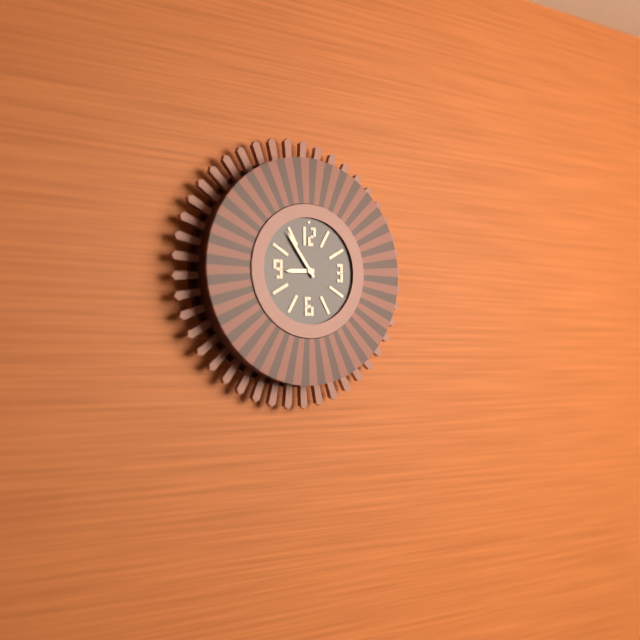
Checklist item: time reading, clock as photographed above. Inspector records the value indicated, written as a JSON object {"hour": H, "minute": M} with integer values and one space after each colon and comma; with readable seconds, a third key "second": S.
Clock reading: {"hour": 8, "minute": 54}
